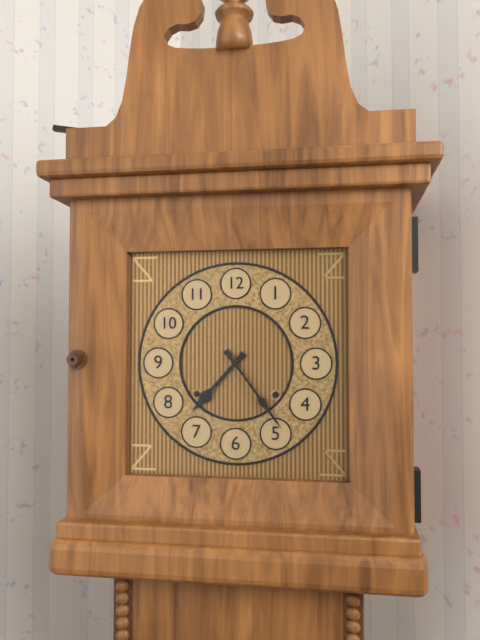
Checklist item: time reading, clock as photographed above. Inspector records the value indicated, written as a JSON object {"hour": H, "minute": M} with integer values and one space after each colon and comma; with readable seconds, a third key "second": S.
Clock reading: {"hour": 7, "minute": 24}
